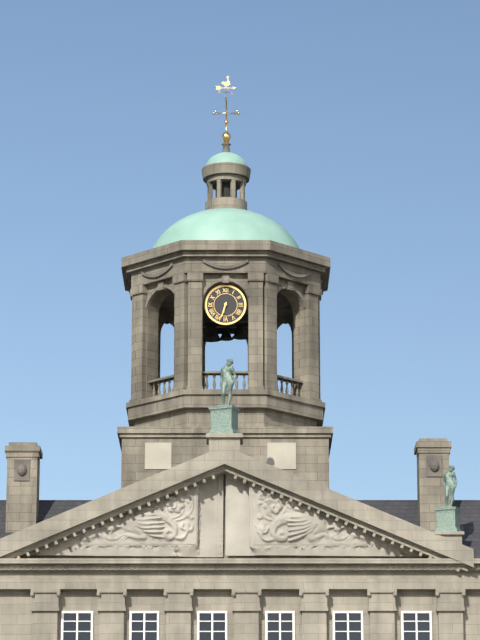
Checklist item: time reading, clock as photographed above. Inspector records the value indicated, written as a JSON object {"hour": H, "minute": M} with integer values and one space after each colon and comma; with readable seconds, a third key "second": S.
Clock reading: {"hour": 6, "minute": 33}
